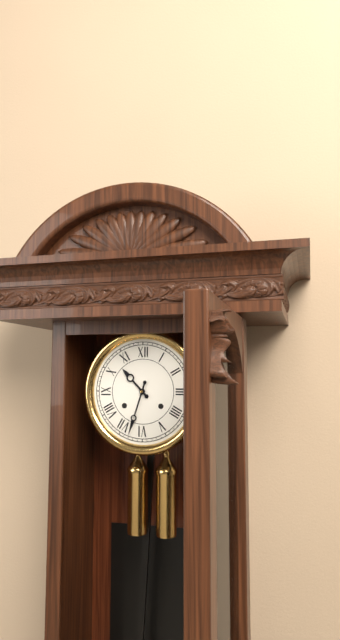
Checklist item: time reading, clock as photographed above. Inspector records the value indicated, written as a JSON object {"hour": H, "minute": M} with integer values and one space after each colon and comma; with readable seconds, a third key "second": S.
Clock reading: {"hour": 10, "minute": 33}
